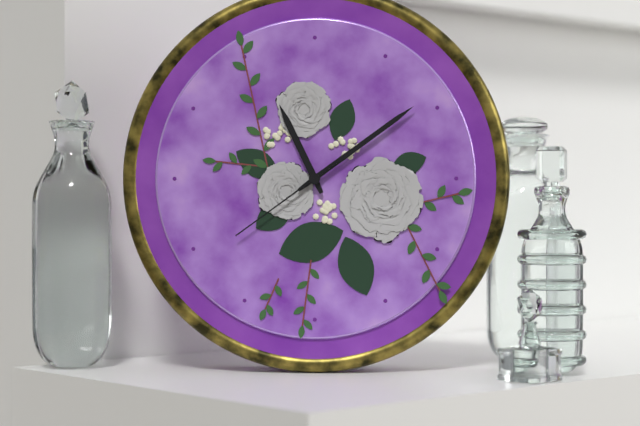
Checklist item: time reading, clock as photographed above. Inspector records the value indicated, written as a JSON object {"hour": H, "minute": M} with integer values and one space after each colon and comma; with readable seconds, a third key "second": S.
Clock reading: {"hour": 11, "minute": 9, "second": 39}
